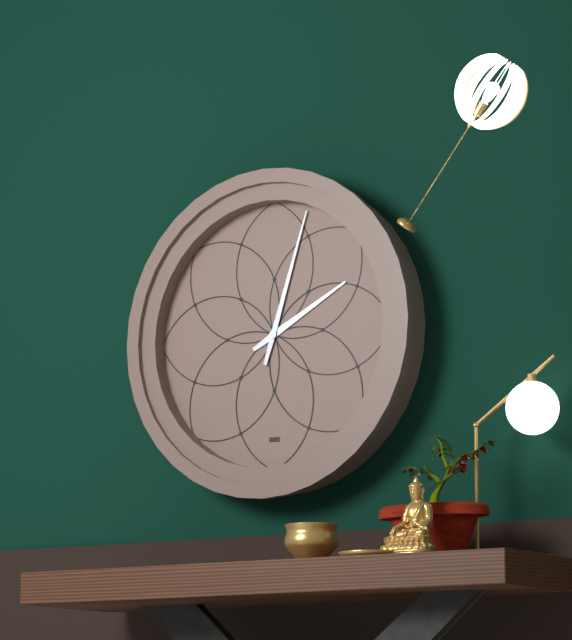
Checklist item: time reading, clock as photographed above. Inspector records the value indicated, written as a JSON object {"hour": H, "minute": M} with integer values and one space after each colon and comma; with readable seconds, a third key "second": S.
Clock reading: {"hour": 2, "minute": 3}
